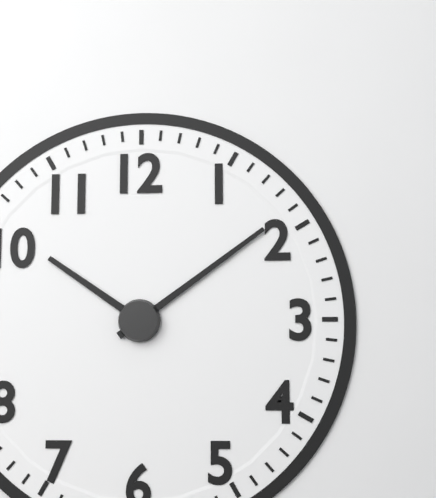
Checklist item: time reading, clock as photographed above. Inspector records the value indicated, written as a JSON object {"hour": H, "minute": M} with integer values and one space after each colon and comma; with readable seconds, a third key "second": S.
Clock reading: {"hour": 10, "minute": 9}
